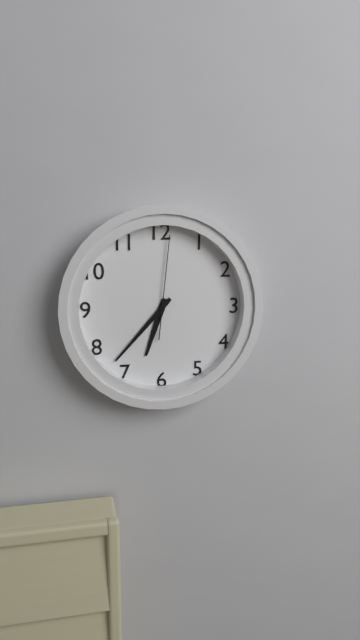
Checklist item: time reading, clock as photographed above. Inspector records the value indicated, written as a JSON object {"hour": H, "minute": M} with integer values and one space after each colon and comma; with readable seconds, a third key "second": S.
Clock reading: {"hour": 6, "minute": 37, "second": 1}
